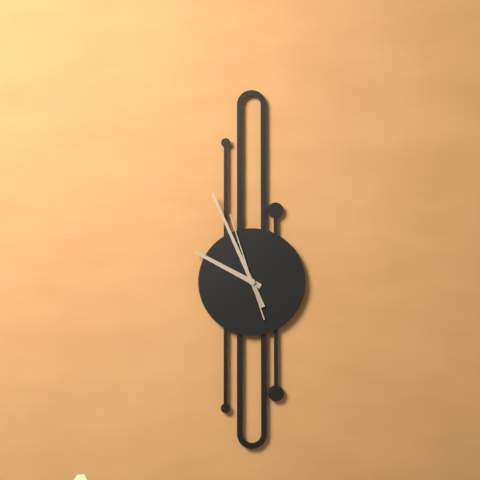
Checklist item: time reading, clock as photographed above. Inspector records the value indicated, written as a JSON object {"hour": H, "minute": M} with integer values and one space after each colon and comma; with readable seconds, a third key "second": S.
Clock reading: {"hour": 9, "minute": 56, "second": 57}
